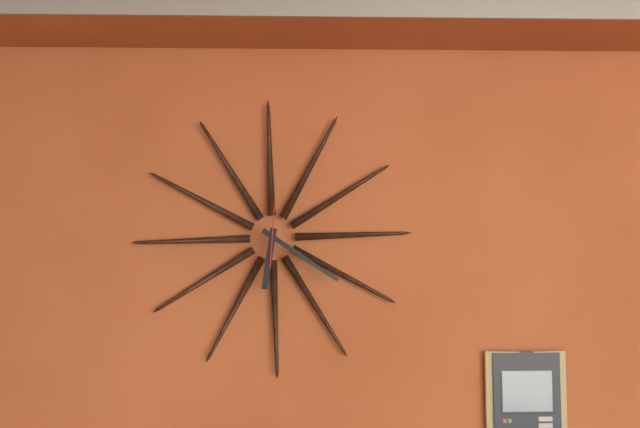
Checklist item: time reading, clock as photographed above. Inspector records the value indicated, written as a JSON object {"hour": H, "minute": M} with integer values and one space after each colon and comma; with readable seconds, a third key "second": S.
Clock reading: {"hour": 6, "minute": 21}
